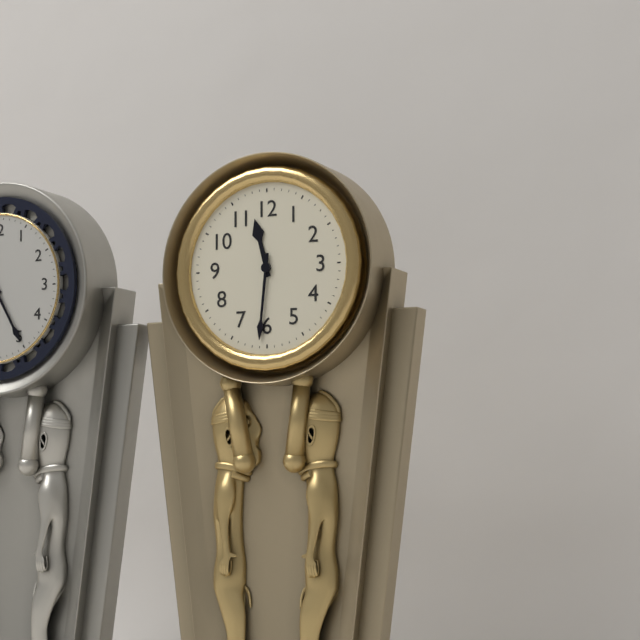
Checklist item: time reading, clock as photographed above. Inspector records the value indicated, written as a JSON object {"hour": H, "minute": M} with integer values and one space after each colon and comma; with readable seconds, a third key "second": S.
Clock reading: {"hour": 11, "minute": 31}
